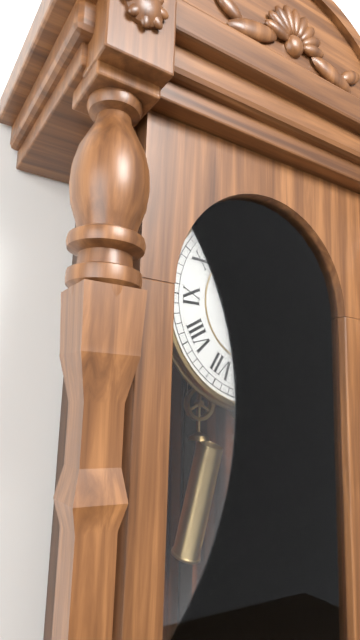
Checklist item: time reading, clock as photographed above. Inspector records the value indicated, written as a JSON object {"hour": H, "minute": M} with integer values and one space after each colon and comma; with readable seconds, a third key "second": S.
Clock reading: {"hour": 2, "minute": 55}
